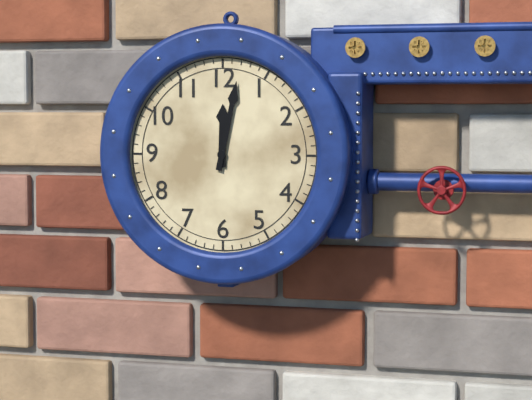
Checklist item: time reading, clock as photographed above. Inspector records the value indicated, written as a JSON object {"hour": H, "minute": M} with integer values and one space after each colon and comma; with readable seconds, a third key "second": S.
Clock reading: {"hour": 12, "minute": 2}
